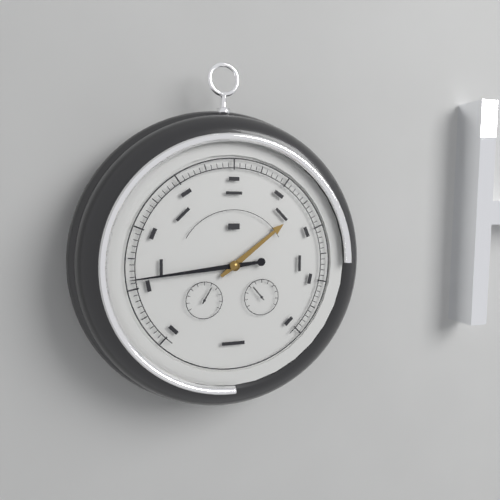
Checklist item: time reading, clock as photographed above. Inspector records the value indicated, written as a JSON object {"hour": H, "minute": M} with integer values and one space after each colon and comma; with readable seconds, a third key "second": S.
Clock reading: {"hour": 1, "minute": 44}
